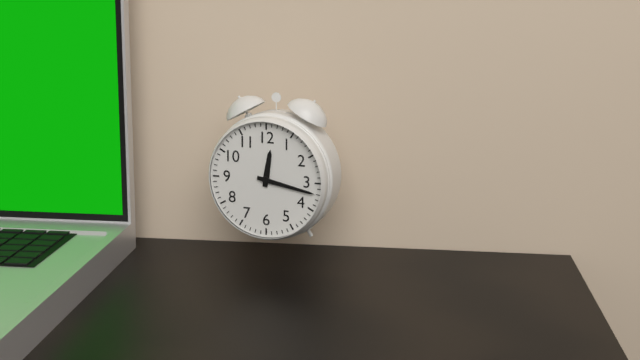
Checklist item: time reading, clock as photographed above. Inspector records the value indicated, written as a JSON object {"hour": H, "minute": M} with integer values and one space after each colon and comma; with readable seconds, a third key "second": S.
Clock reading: {"hour": 12, "minute": 17}
